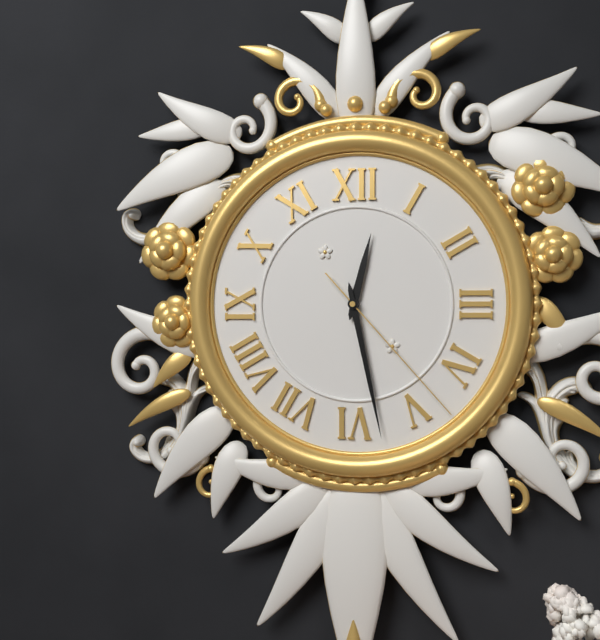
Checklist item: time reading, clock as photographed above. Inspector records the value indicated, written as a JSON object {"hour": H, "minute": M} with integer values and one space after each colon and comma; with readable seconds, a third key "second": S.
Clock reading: {"hour": 12, "minute": 28, "second": 23}
